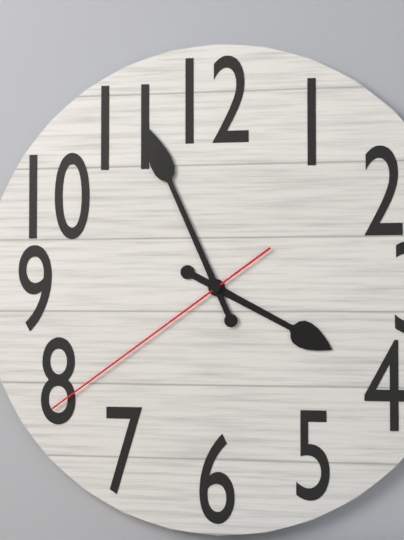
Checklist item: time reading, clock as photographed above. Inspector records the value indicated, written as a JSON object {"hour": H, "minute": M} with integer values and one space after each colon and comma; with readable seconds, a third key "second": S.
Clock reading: {"hour": 3, "minute": 56, "second": 39}
